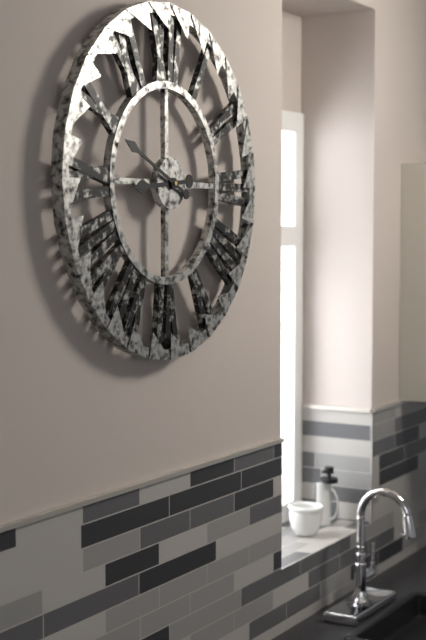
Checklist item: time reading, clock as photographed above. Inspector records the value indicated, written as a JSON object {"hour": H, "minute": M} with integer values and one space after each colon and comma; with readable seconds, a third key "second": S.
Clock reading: {"hour": 8, "minute": 49}
